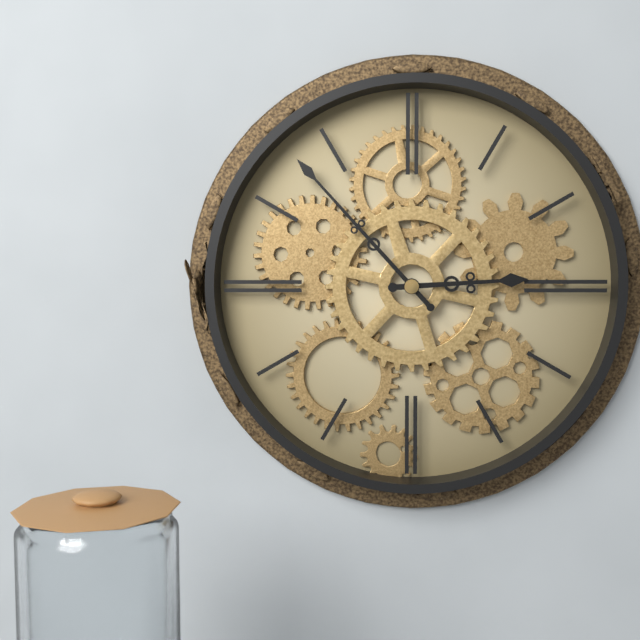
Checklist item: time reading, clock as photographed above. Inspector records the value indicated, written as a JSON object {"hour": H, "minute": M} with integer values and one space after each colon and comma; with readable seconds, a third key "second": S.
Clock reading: {"hour": 2, "minute": 53}
